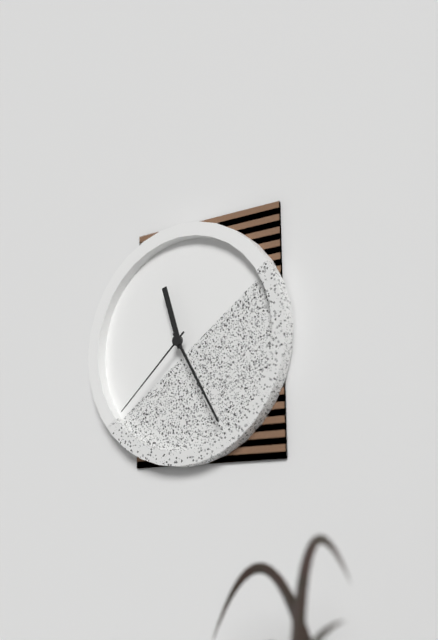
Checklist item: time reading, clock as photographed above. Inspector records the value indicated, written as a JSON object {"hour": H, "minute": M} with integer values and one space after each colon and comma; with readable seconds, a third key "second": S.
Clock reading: {"hour": 11, "minute": 25, "second": 38}
